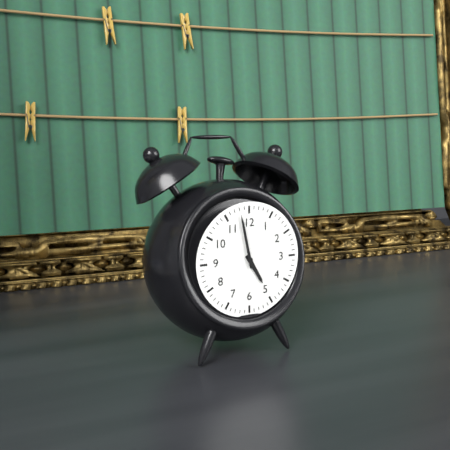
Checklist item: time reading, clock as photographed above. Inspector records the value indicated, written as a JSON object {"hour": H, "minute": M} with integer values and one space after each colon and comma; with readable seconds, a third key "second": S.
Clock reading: {"hour": 4, "minute": 58}
